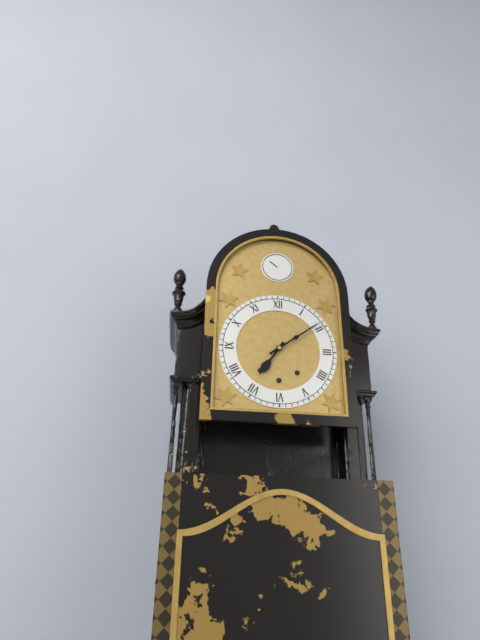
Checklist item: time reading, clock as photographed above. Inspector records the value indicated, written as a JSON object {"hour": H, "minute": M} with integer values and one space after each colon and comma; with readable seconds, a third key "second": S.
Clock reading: {"hour": 7, "minute": 9}
